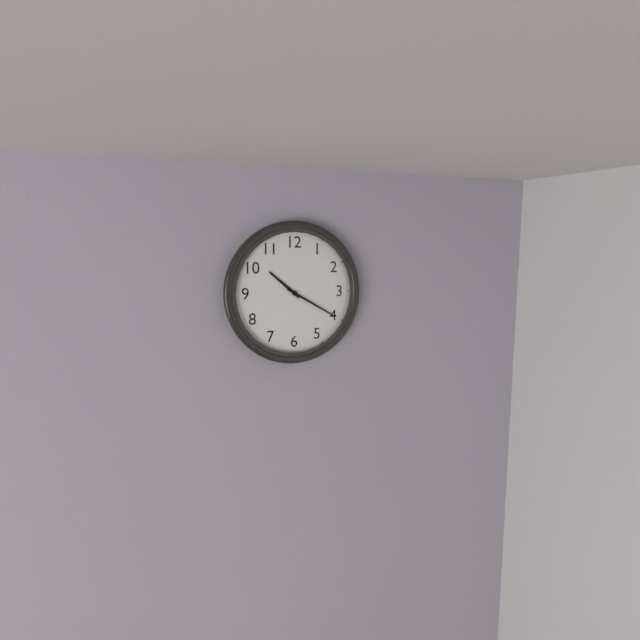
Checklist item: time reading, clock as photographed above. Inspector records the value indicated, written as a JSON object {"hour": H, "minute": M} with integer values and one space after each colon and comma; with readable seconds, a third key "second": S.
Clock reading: {"hour": 10, "minute": 20}
